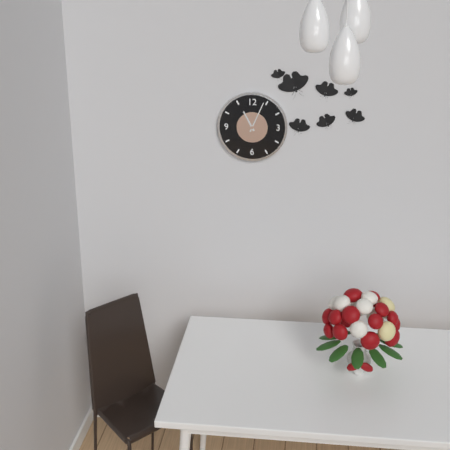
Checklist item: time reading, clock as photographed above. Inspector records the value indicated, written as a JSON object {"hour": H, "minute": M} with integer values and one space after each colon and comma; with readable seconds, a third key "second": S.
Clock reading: {"hour": 11, "minute": 4}
